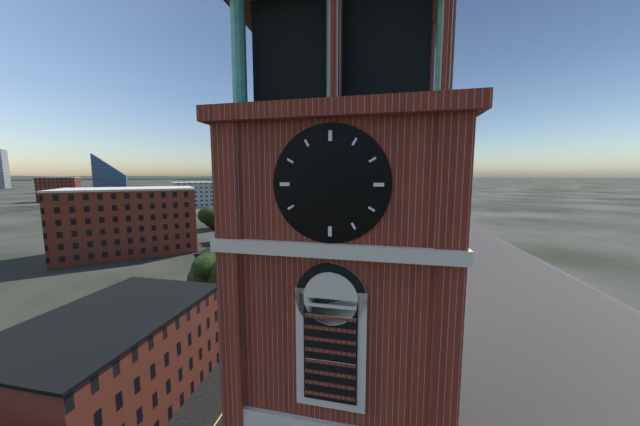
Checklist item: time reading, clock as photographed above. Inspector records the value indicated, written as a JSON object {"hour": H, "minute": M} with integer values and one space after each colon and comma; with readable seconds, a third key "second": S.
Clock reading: {"hour": 3, "minute": 13}
